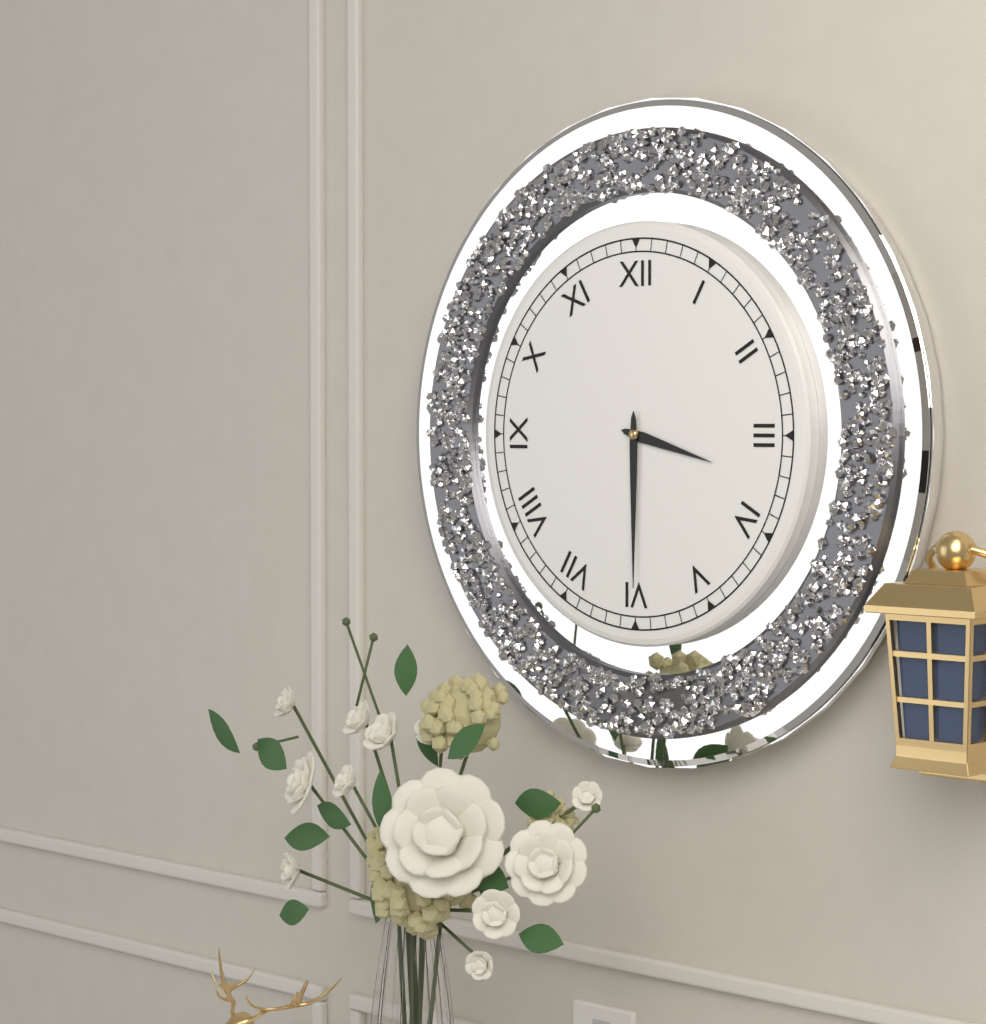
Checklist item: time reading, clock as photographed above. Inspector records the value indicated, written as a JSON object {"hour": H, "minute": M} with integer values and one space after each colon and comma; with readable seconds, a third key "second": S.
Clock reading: {"hour": 3, "minute": 30}
